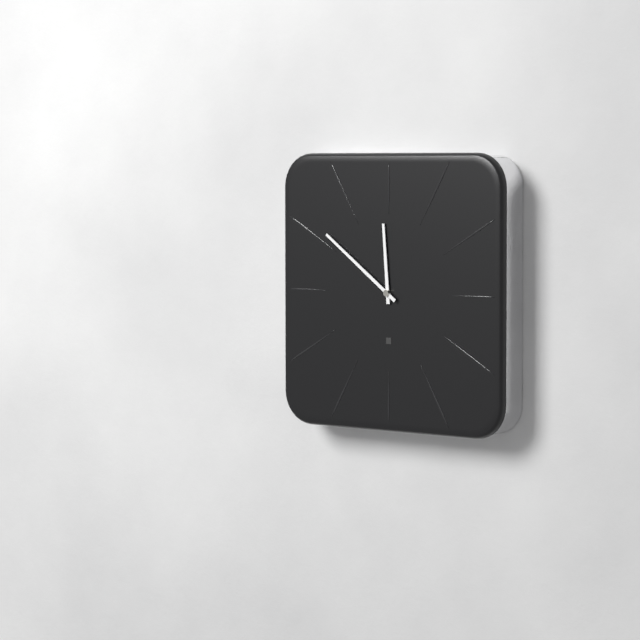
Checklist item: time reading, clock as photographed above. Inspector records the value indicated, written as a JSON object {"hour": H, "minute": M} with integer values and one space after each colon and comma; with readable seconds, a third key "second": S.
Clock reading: {"hour": 11, "minute": 51}
